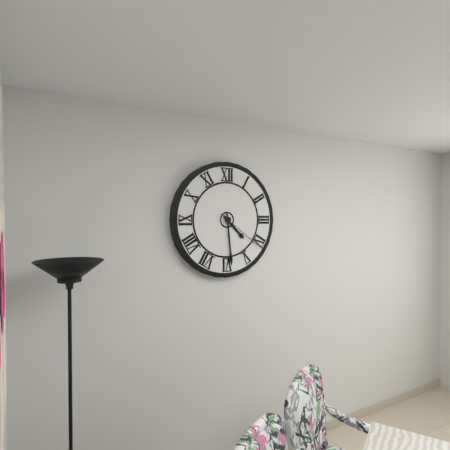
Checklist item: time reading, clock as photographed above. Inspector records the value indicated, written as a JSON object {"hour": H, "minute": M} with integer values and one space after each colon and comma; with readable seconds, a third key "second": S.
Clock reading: {"hour": 4, "minute": 29, "second": 21}
